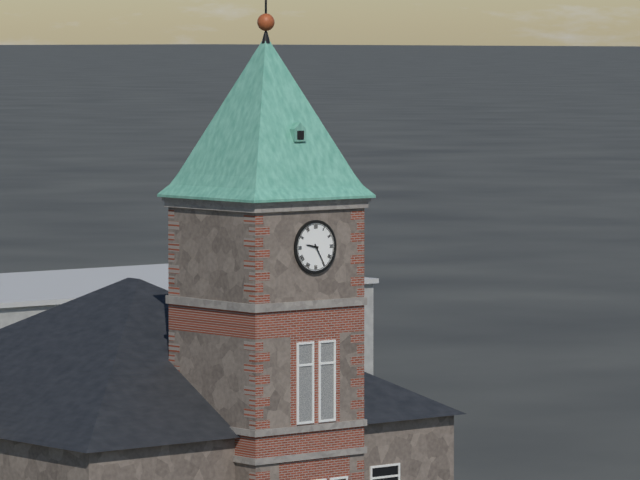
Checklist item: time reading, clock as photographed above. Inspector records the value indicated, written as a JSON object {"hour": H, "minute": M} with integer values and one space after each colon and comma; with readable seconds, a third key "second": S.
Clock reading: {"hour": 9, "minute": 25}
